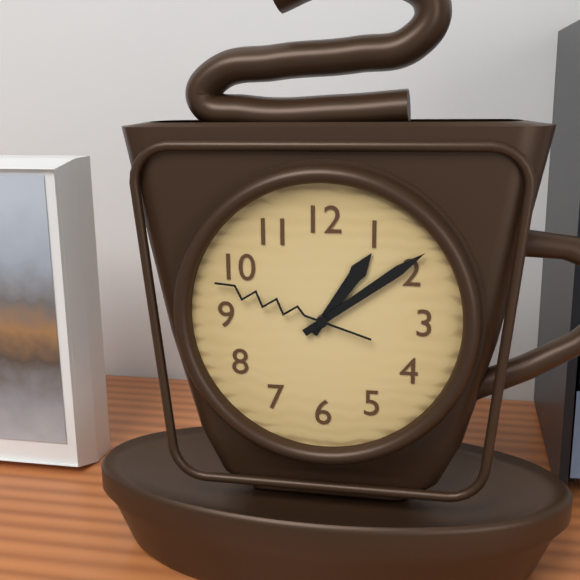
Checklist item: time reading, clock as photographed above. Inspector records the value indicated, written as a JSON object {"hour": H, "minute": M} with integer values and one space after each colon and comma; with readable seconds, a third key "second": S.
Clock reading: {"hour": 1, "minute": 9, "second": 48}
